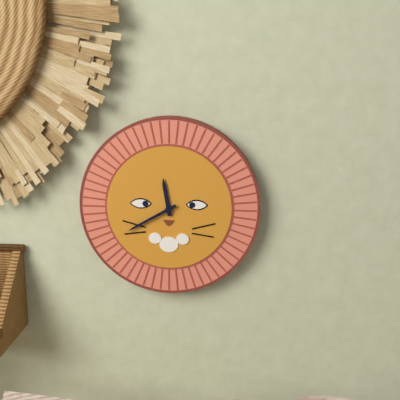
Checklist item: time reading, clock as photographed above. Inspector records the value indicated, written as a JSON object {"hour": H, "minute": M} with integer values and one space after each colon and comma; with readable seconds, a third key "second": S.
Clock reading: {"hour": 11, "minute": 40}
